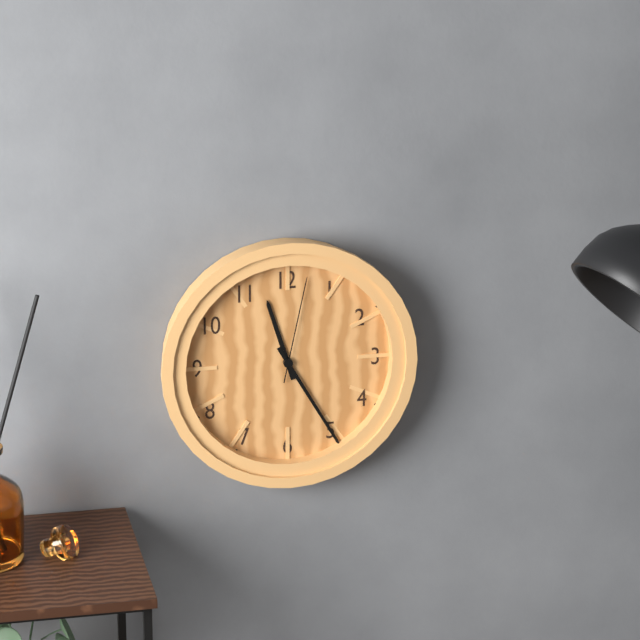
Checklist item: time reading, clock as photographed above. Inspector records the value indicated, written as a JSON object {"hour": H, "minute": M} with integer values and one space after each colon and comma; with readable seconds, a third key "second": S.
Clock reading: {"hour": 11, "minute": 25, "second": 2}
